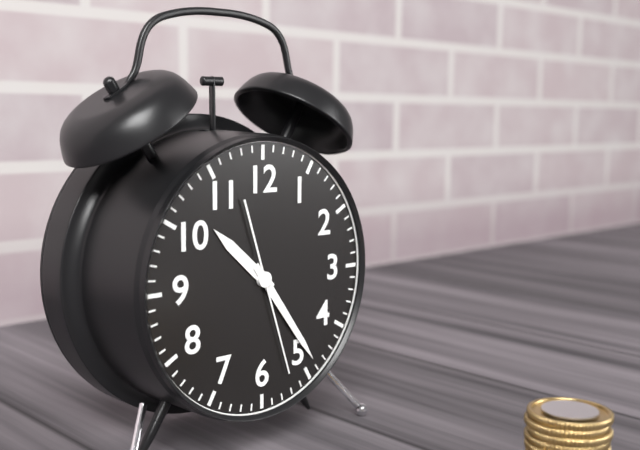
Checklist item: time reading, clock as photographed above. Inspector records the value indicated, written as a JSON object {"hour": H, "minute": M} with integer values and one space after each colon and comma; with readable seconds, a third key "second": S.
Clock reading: {"hour": 10, "minute": 24, "second": 27}
